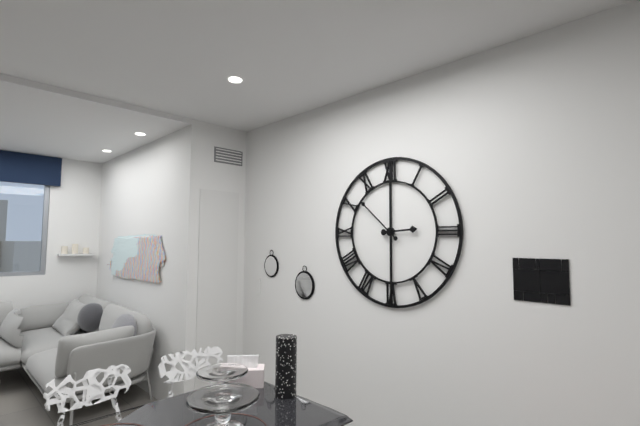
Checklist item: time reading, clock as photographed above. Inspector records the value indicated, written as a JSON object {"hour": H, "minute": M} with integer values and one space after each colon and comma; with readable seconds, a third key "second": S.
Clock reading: {"hour": 2, "minute": 52}
